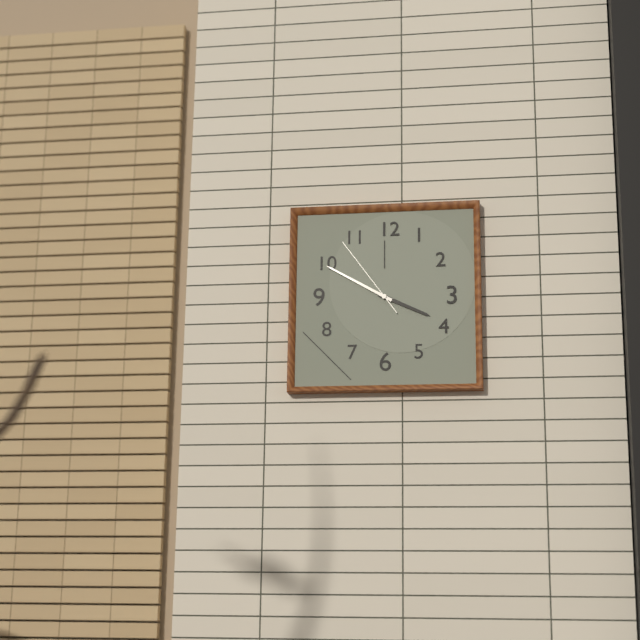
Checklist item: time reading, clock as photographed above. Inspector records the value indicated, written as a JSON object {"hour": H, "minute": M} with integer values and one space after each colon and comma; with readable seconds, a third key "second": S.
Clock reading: {"hour": 3, "minute": 50, "second": 54}
